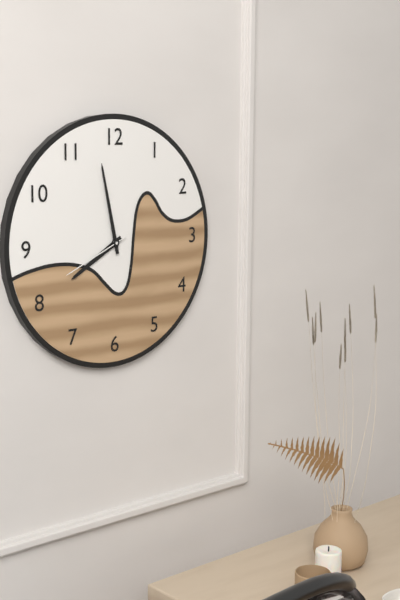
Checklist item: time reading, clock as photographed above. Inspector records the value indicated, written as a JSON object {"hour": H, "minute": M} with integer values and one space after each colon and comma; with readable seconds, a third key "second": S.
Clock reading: {"hour": 7, "minute": 58, "second": 41}
